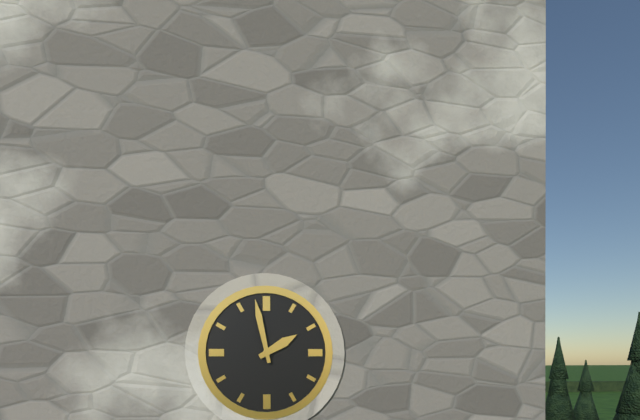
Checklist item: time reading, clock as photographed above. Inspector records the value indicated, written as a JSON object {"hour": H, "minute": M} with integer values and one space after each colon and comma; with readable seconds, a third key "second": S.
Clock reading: {"hour": 1, "minute": 58}
